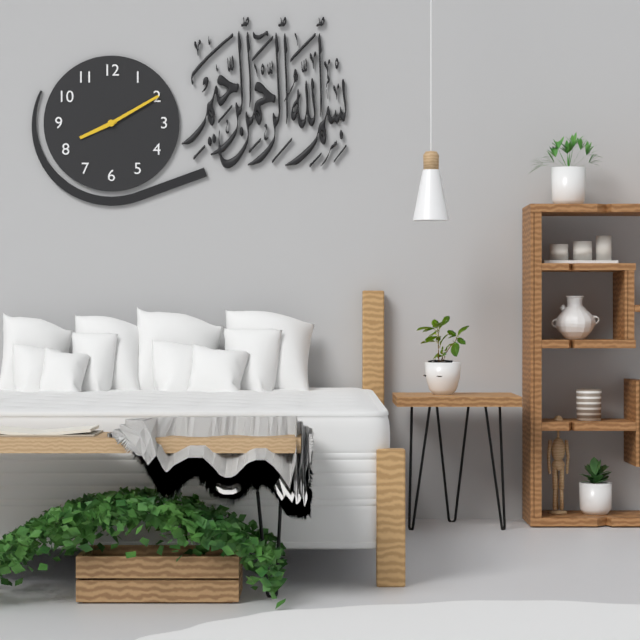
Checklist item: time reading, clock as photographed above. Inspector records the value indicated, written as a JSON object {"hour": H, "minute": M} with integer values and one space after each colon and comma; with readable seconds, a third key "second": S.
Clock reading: {"hour": 8, "minute": 10}
